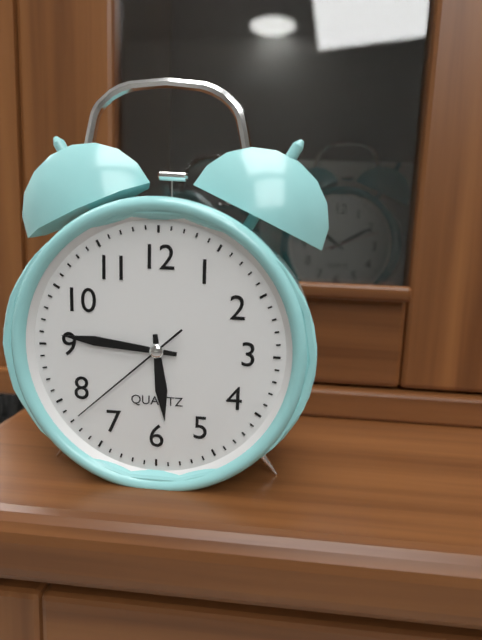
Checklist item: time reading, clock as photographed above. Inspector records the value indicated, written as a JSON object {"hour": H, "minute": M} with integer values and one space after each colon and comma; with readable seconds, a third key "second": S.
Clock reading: {"hour": 5, "minute": 46, "second": 38}
